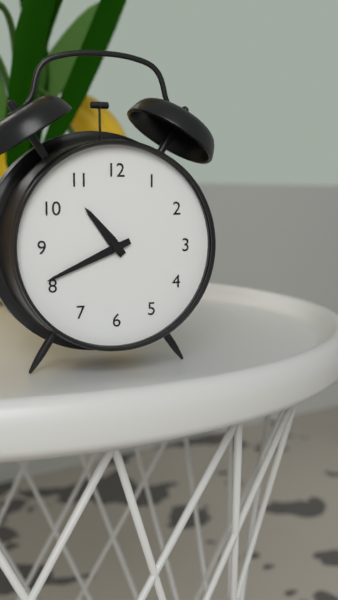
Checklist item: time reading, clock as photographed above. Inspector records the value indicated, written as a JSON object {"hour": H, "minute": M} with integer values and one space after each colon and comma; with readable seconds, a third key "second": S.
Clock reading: {"hour": 10, "minute": 41}
